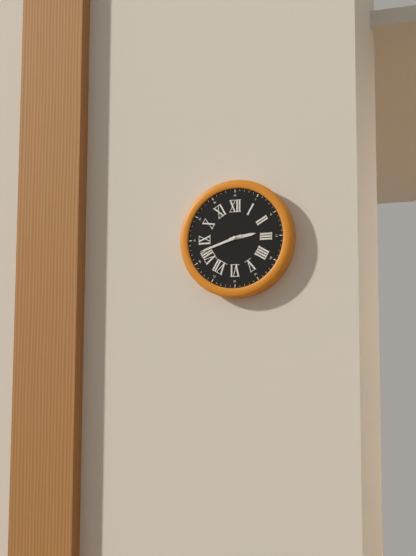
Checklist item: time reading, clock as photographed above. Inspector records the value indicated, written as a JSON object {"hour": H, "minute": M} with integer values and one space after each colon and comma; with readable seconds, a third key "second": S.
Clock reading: {"hour": 2, "minute": 42}
